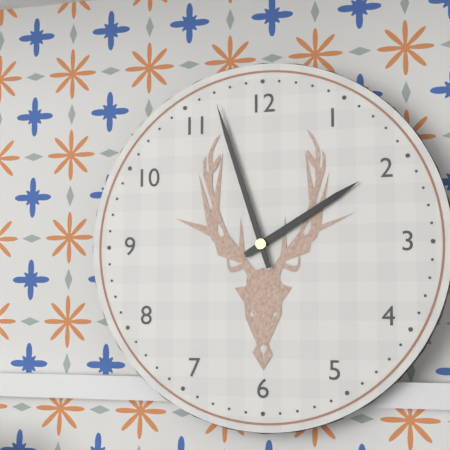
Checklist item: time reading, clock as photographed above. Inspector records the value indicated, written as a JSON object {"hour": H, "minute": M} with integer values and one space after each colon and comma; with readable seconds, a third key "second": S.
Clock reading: {"hour": 1, "minute": 57}
